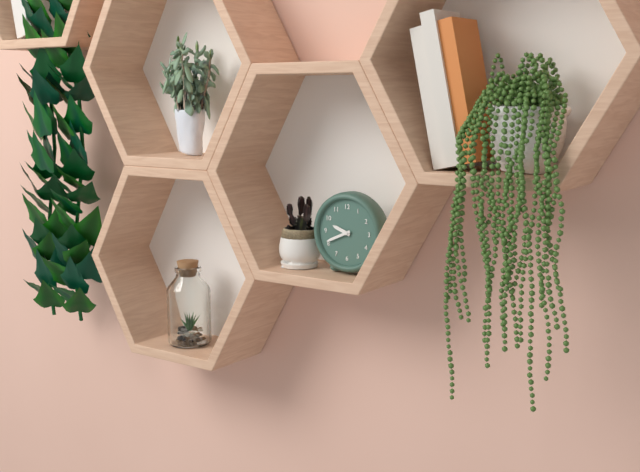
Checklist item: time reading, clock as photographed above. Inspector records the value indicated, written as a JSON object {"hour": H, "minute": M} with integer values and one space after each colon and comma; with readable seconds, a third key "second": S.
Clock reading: {"hour": 9, "minute": 41}
